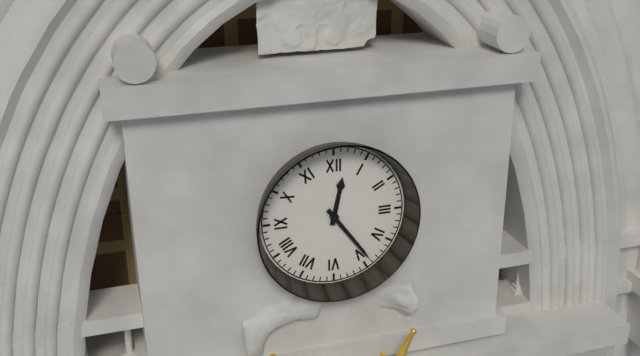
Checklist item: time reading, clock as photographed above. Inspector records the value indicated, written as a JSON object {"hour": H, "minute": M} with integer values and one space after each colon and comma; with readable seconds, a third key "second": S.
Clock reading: {"hour": 12, "minute": 24}
